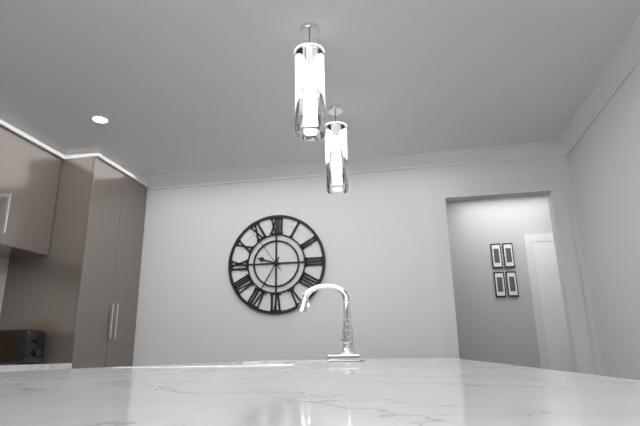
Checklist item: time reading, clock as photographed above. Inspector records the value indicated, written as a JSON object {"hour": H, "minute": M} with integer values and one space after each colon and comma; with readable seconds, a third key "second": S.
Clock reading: {"hour": 9, "minute": 35}
